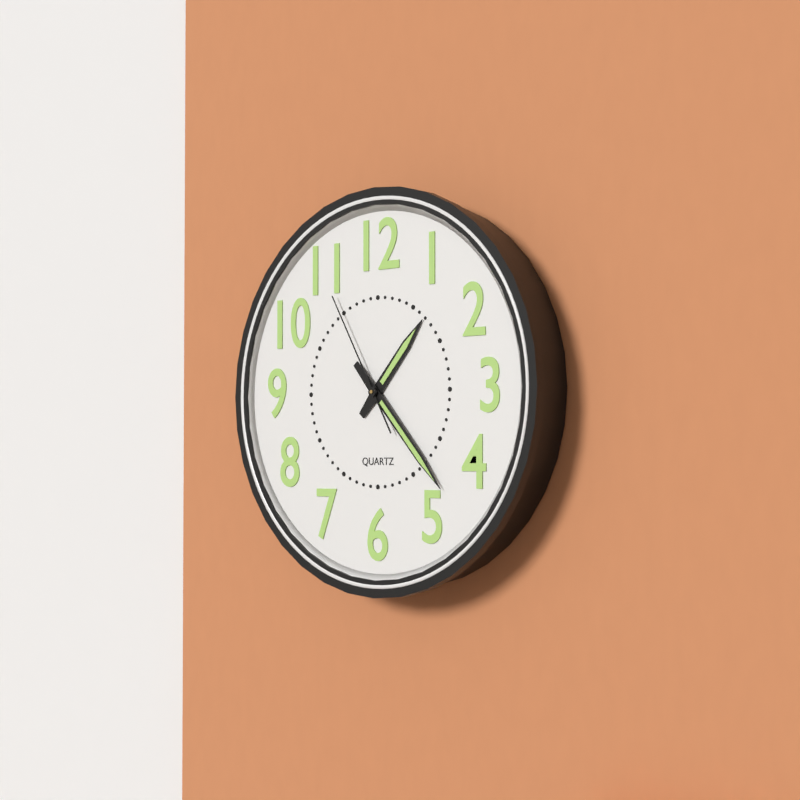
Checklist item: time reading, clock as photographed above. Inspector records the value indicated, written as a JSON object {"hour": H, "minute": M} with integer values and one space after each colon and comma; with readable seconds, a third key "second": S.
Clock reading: {"hour": 1, "minute": 23, "second": 55}
